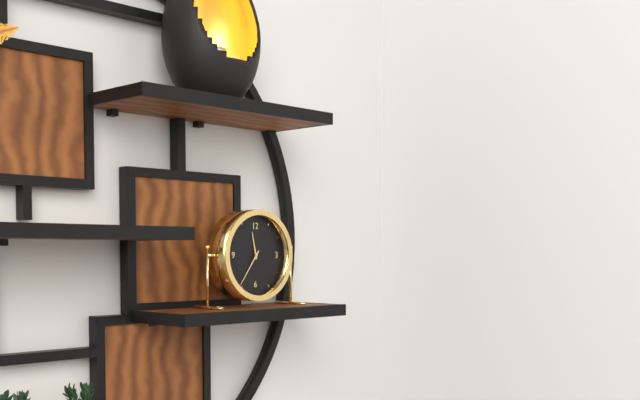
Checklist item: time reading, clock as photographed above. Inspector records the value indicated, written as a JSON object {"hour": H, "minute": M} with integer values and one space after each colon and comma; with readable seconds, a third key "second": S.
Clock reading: {"hour": 11, "minute": 36}
